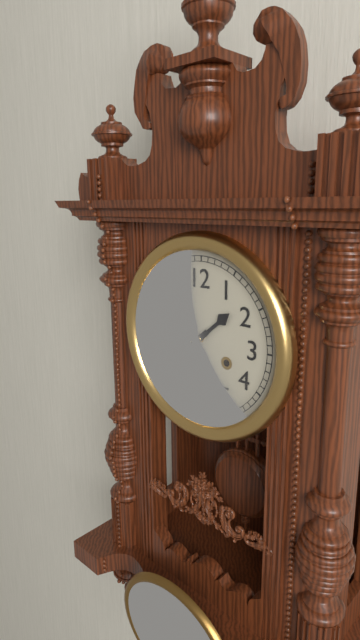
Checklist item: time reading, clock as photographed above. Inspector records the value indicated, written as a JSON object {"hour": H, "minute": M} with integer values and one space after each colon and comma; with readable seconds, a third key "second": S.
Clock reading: {"hour": 1, "minute": 38}
